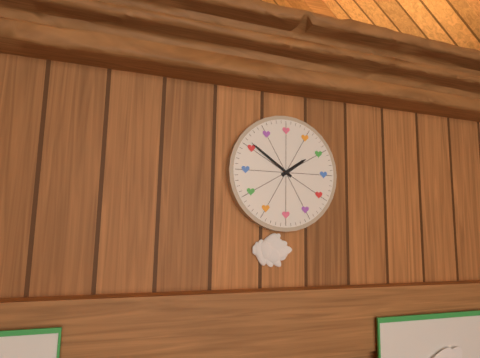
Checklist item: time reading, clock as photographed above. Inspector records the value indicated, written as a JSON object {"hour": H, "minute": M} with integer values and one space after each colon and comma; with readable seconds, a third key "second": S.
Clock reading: {"hour": 1, "minute": 51}
